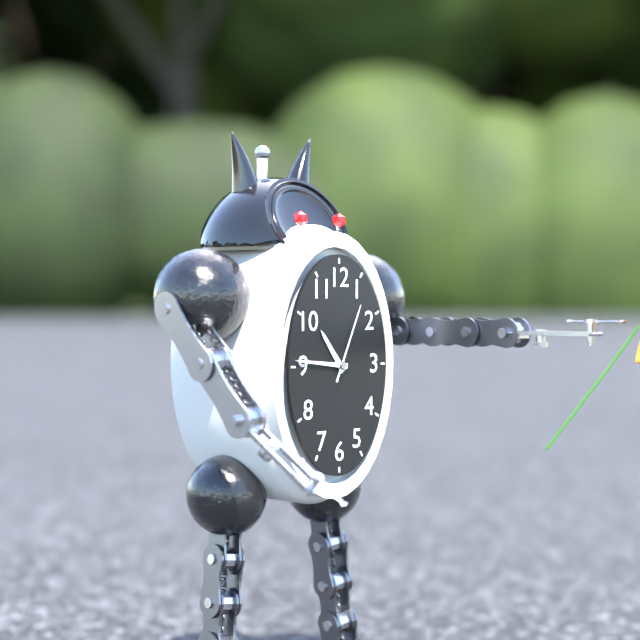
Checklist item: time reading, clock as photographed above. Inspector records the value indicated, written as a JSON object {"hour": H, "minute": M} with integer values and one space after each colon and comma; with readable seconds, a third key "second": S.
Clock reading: {"hour": 10, "minute": 46, "second": 4}
